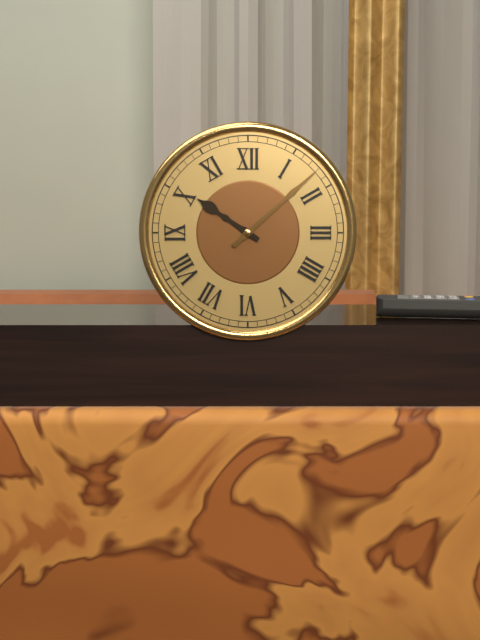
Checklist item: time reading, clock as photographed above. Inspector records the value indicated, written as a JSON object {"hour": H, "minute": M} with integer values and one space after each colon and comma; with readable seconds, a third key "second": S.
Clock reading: {"hour": 10, "minute": 8}
